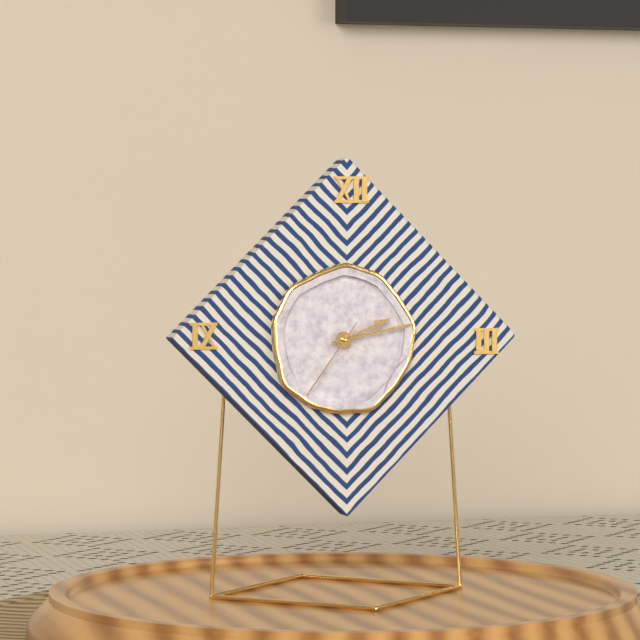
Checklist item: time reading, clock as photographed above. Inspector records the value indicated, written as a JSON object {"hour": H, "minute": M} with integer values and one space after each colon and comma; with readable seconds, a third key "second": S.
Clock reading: {"hour": 2, "minute": 13, "second": 36}
